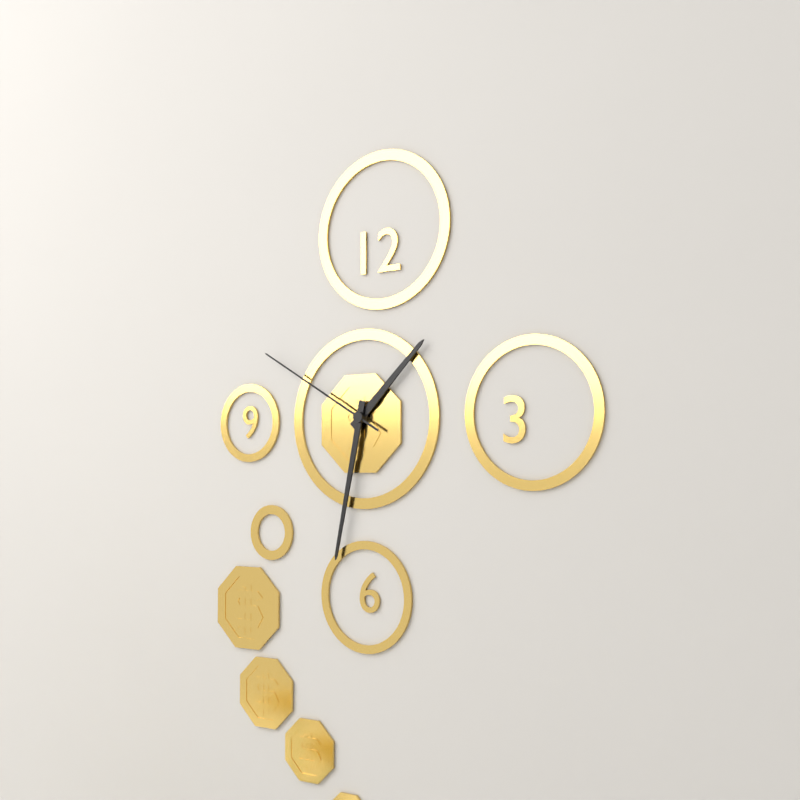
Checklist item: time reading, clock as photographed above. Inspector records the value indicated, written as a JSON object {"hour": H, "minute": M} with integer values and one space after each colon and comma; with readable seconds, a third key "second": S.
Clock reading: {"hour": 1, "minute": 32, "second": 50}
